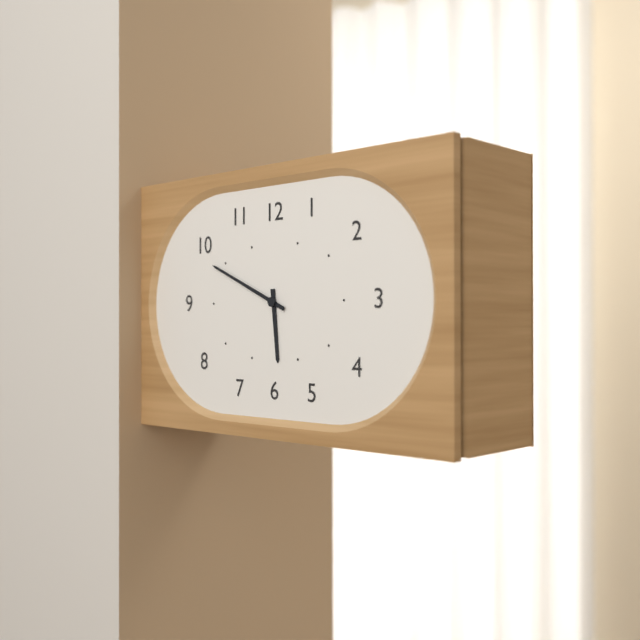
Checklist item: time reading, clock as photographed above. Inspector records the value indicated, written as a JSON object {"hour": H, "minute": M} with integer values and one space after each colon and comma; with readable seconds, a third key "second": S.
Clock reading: {"hour": 5, "minute": 49}
